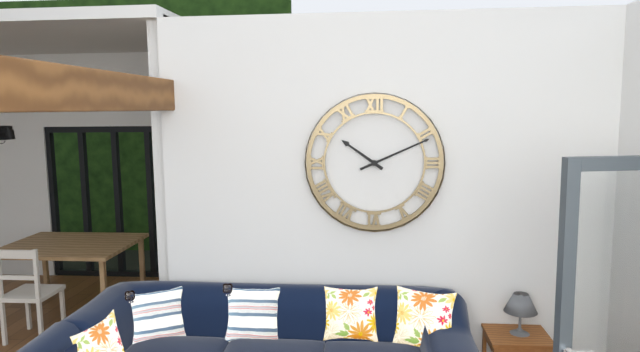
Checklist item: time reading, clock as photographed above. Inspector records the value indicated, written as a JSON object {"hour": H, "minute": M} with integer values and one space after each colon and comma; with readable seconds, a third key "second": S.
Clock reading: {"hour": 10, "minute": 11}
